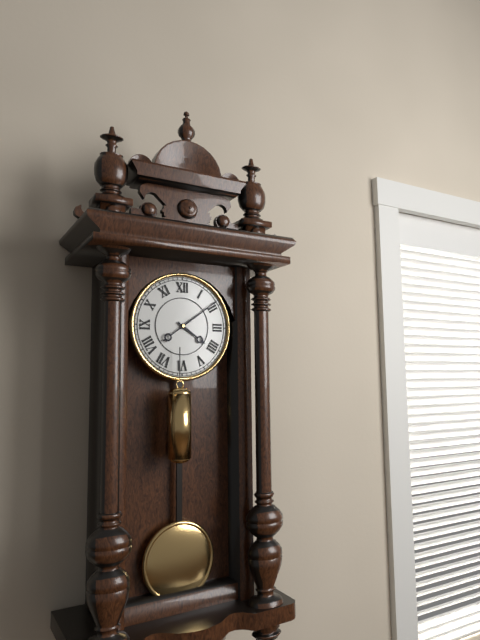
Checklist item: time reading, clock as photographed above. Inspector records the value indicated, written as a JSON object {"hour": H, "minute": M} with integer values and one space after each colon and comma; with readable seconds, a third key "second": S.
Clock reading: {"hour": 4, "minute": 9}
